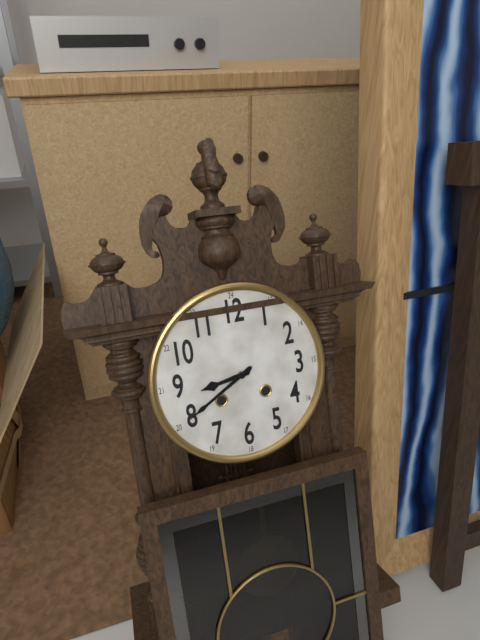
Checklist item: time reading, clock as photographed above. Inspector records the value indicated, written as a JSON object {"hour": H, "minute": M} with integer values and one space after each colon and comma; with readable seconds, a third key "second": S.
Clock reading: {"hour": 8, "minute": 40}
